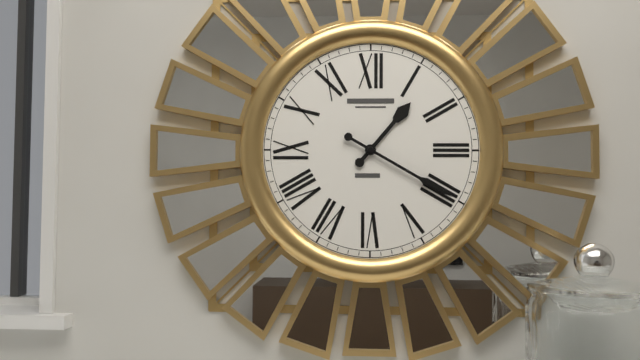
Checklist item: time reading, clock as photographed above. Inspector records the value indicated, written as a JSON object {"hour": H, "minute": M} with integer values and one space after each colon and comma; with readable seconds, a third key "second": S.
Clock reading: {"hour": 1, "minute": 20}
